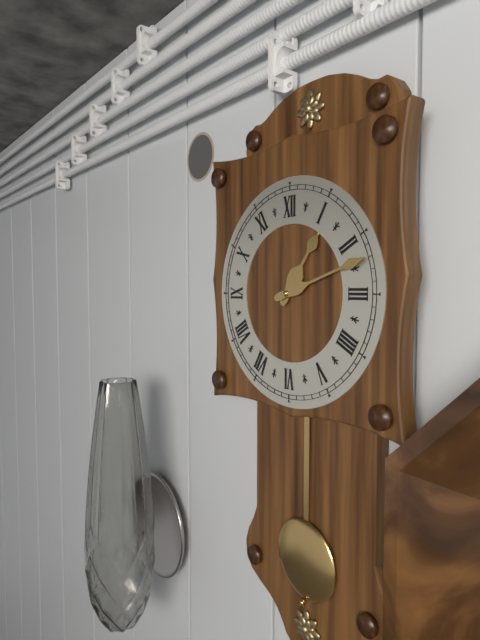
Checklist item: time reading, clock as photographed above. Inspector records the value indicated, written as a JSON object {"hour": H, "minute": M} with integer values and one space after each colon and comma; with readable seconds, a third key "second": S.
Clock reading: {"hour": 1, "minute": 12}
